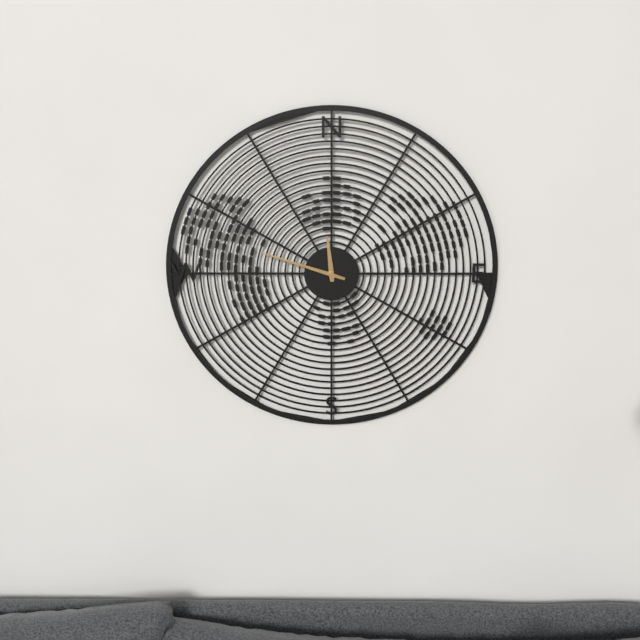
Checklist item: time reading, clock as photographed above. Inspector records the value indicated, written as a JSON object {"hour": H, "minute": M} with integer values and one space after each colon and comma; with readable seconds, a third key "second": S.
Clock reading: {"hour": 11, "minute": 48}
